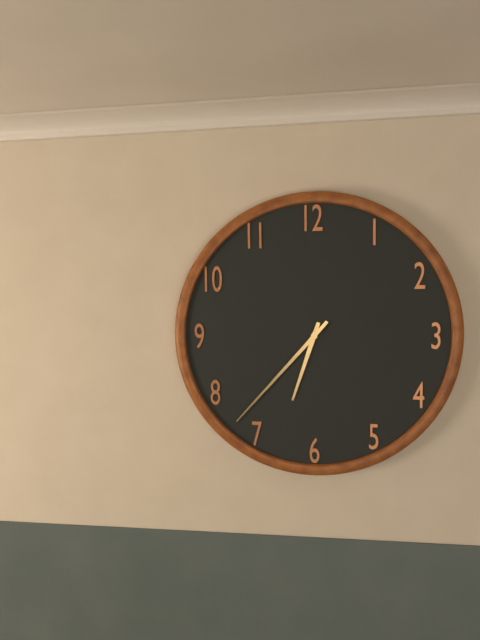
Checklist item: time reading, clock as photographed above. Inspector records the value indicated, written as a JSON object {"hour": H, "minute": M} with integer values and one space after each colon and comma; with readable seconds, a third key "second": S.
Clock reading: {"hour": 6, "minute": 37}
